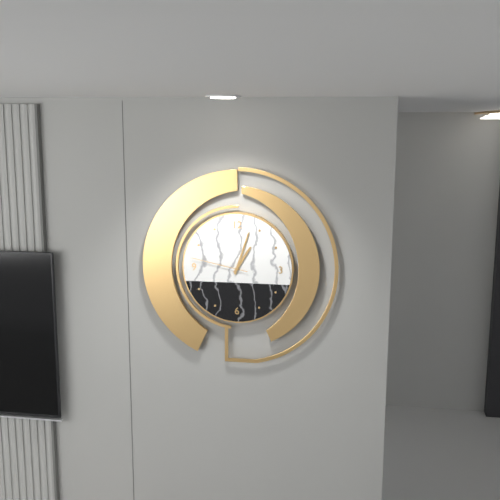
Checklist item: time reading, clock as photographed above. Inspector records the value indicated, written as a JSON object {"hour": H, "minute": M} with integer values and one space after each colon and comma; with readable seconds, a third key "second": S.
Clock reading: {"hour": 1, "minute": 3, "second": 47}
